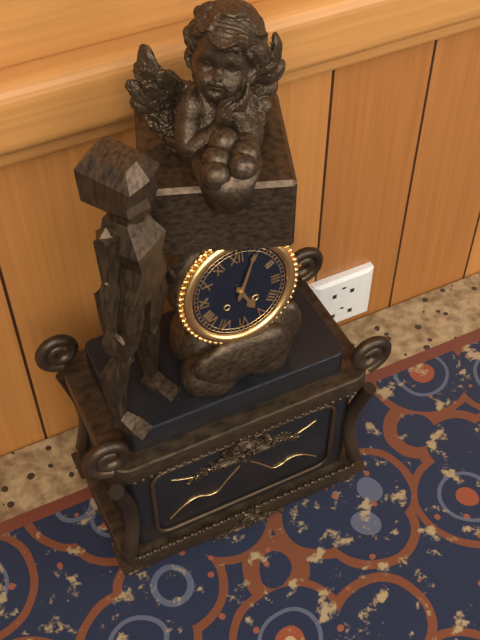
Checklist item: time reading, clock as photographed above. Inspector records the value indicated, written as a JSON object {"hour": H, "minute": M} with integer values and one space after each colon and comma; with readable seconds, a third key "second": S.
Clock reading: {"hour": 5, "minute": 4}
